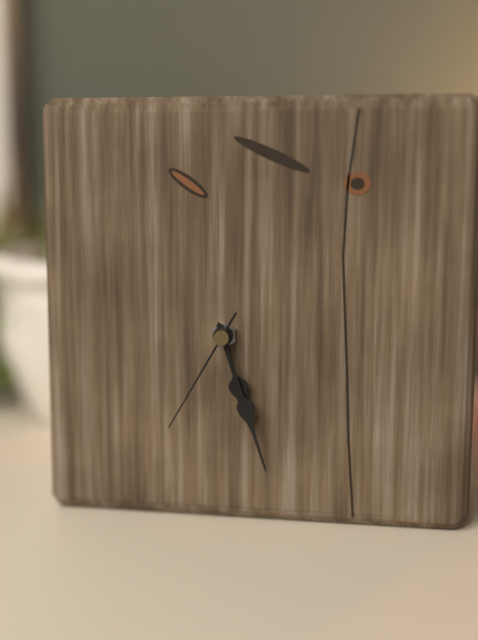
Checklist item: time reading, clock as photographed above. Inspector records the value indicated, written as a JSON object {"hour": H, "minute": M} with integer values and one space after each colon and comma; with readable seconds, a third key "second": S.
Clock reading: {"hour": 5, "minute": 27, "second": 35}
